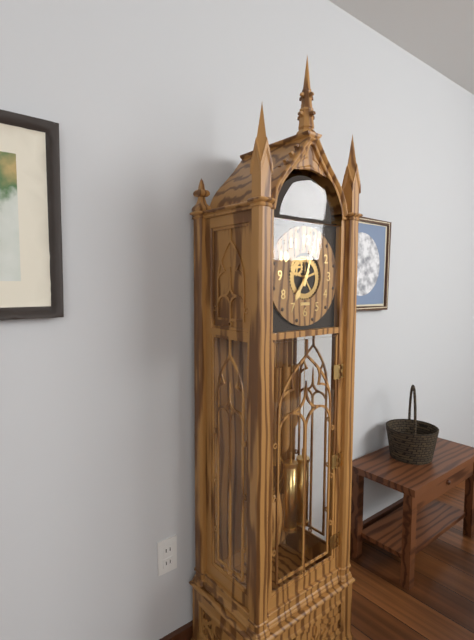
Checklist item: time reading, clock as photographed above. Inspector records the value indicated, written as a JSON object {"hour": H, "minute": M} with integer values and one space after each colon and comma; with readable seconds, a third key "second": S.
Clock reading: {"hour": 7, "minute": 3}
